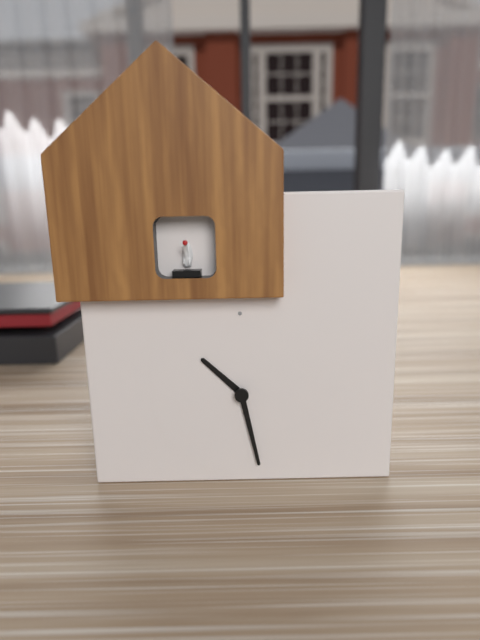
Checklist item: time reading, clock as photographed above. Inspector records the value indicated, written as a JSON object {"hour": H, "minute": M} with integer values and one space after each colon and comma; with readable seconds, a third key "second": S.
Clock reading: {"hour": 10, "minute": 28}
